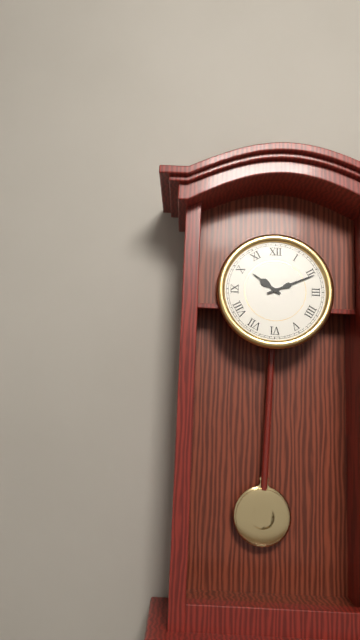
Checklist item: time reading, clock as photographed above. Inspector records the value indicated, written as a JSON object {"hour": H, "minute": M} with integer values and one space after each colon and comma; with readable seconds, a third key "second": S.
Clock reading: {"hour": 10, "minute": 11}
